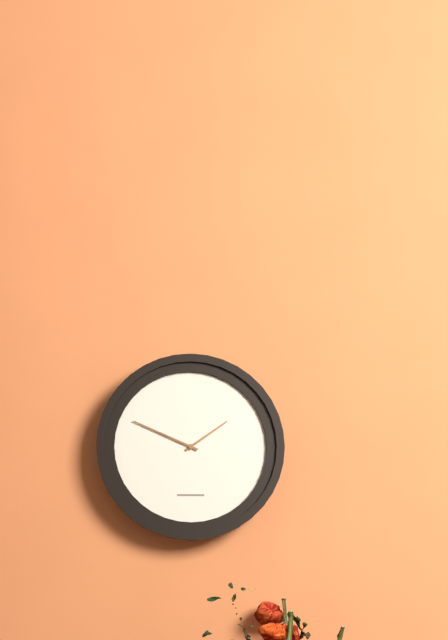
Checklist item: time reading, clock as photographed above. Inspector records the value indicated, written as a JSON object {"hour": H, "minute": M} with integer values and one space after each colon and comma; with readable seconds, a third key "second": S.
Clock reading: {"hour": 1, "minute": 49}
